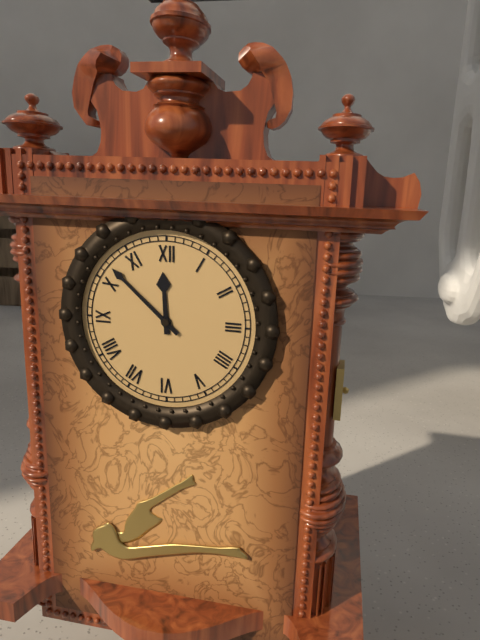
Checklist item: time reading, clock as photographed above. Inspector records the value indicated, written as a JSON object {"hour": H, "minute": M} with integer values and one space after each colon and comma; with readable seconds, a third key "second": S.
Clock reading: {"hour": 11, "minute": 52}
